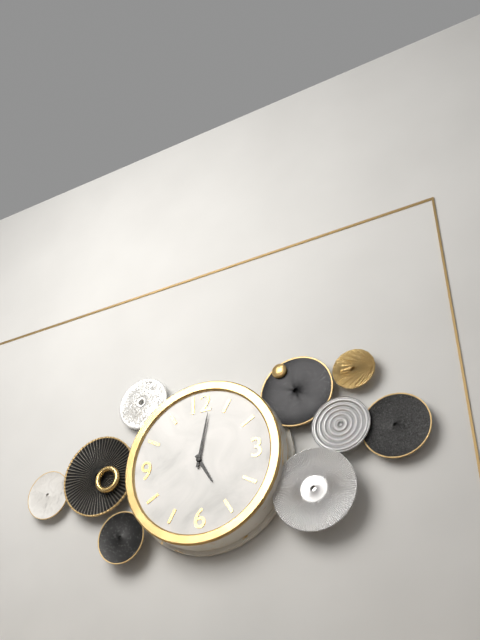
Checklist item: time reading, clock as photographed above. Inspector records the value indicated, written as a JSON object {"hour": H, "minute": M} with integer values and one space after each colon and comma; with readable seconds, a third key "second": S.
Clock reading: {"hour": 5, "minute": 2}
